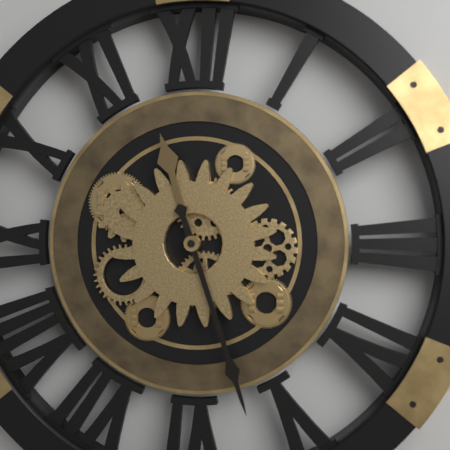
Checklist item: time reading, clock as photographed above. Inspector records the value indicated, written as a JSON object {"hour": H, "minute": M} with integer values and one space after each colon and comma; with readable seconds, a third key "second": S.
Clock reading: {"hour": 11, "minute": 27}
